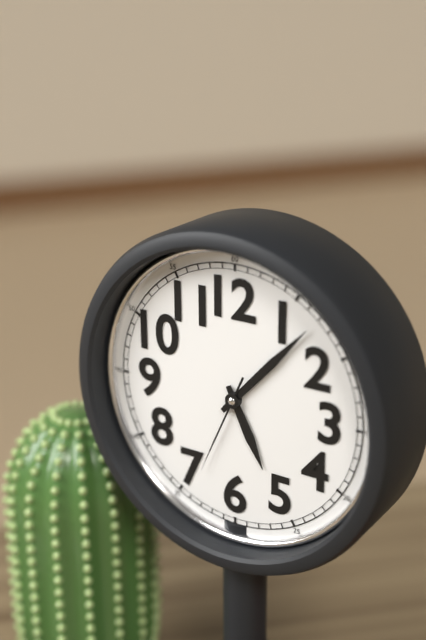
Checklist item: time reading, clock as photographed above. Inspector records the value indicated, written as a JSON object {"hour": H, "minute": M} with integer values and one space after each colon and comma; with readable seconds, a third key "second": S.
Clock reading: {"hour": 5, "minute": 7, "second": 34}
